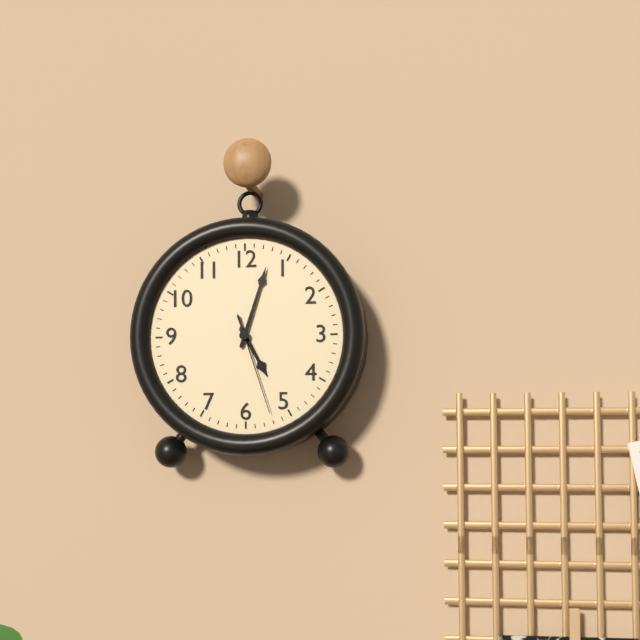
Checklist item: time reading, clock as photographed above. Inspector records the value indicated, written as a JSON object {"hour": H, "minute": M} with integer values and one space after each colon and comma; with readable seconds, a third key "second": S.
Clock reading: {"hour": 5, "minute": 3, "second": 27}
